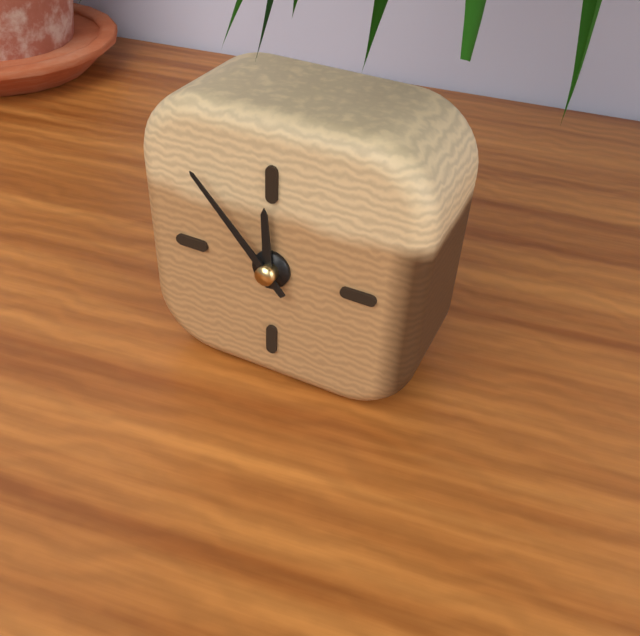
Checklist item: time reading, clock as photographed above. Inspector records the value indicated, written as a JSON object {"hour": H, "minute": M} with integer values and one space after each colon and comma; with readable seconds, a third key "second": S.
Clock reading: {"hour": 11, "minute": 53}
